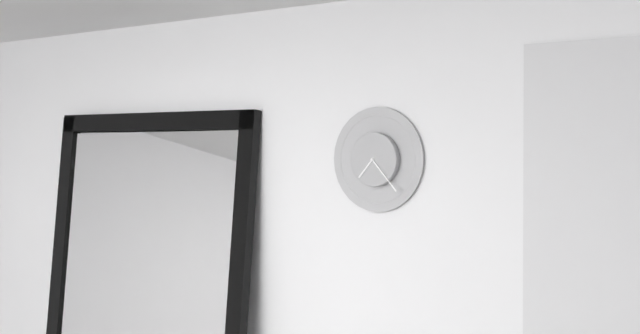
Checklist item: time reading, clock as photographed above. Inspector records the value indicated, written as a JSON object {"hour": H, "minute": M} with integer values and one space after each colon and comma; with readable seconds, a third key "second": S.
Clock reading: {"hour": 7, "minute": 23}
